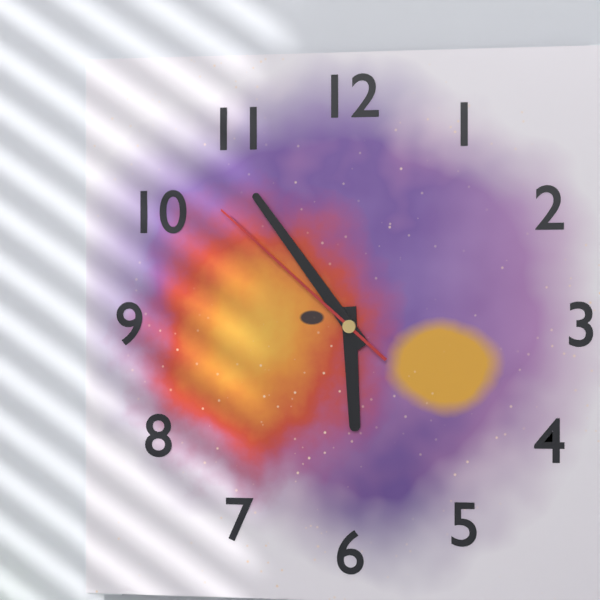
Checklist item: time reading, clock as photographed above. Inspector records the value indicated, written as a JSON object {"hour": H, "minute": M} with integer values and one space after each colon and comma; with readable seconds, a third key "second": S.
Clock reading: {"hour": 5, "minute": 54, "second": 52}
